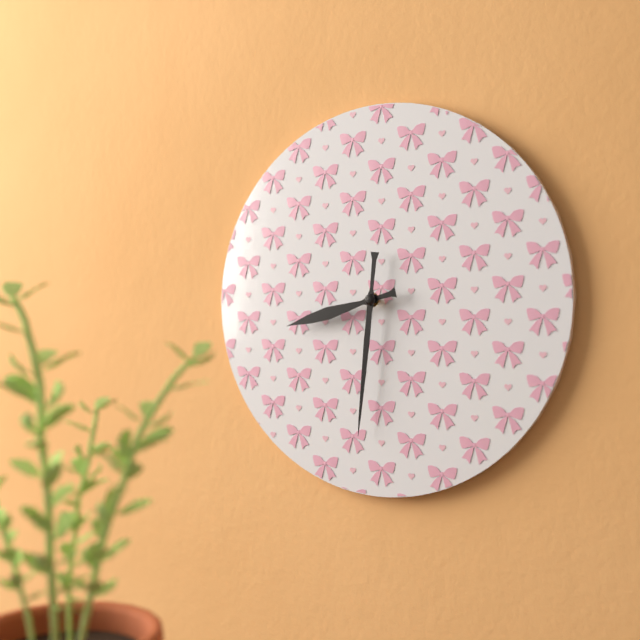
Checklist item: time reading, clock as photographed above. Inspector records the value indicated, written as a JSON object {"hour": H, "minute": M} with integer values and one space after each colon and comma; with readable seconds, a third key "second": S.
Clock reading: {"hour": 8, "minute": 31}
